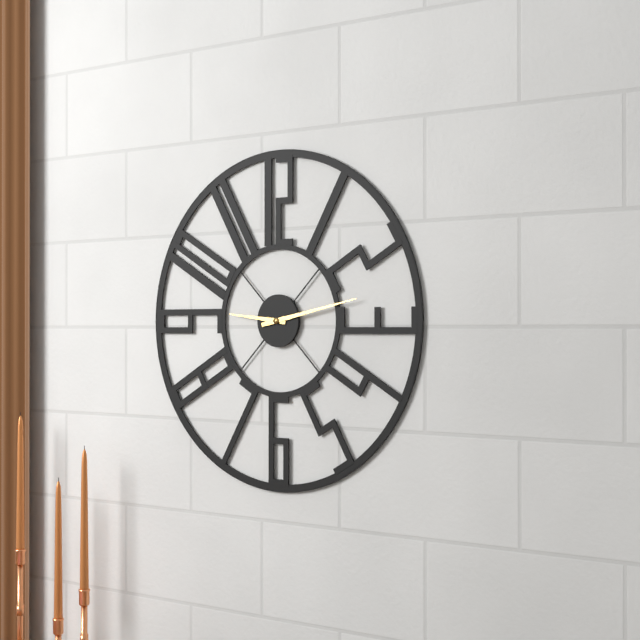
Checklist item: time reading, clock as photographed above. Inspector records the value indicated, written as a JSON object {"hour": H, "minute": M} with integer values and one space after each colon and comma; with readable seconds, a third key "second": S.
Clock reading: {"hour": 9, "minute": 13}
